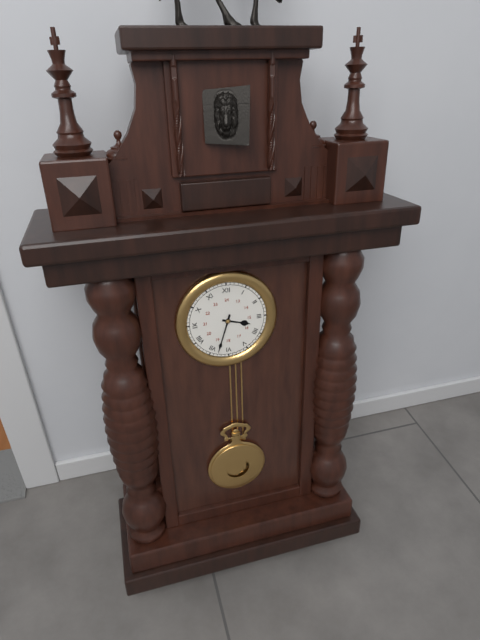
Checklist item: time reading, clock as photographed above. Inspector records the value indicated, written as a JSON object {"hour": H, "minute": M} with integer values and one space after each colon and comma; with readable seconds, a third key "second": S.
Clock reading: {"hour": 3, "minute": 33}
